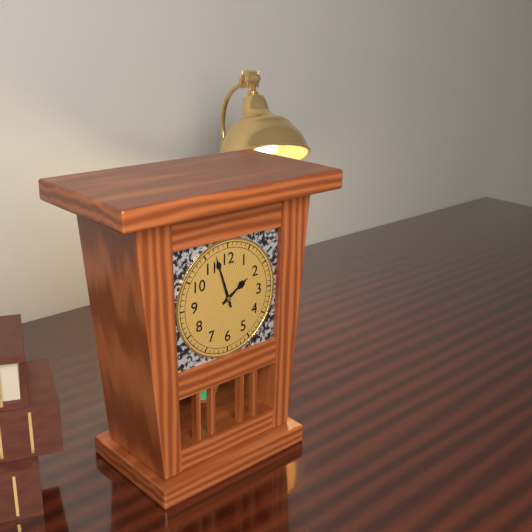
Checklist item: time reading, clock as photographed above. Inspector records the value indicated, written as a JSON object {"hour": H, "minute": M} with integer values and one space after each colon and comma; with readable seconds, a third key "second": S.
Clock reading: {"hour": 1, "minute": 57}
